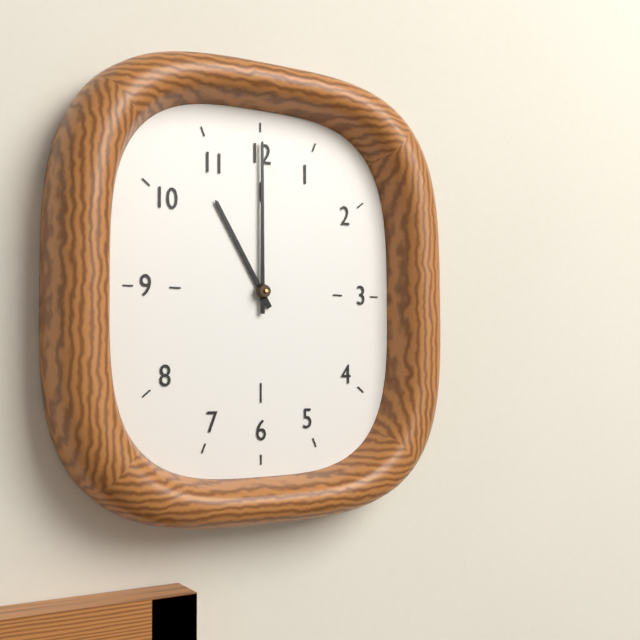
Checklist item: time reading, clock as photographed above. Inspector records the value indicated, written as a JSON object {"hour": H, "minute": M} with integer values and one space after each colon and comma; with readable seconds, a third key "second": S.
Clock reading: {"hour": 11, "minute": 0}
